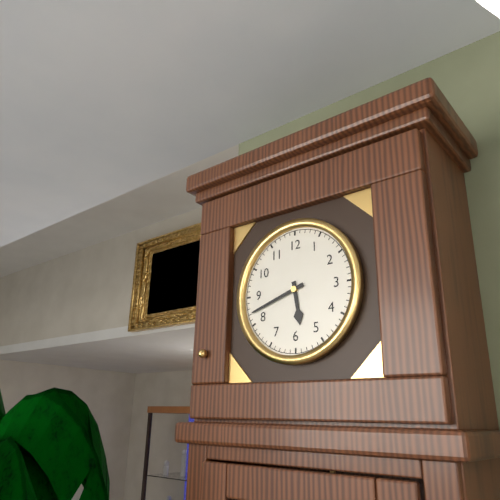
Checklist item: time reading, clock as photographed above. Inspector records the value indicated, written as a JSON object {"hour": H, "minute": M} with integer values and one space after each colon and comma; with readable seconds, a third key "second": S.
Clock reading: {"hour": 5, "minute": 42}
